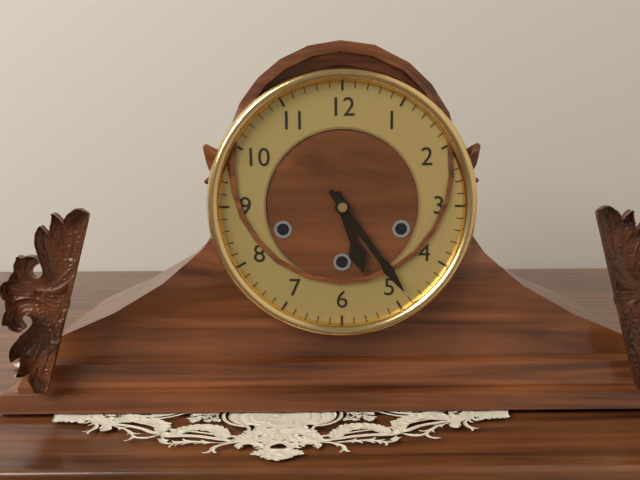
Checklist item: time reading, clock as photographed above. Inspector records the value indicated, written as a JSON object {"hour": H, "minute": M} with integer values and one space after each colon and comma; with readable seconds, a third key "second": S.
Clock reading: {"hour": 5, "minute": 24}
